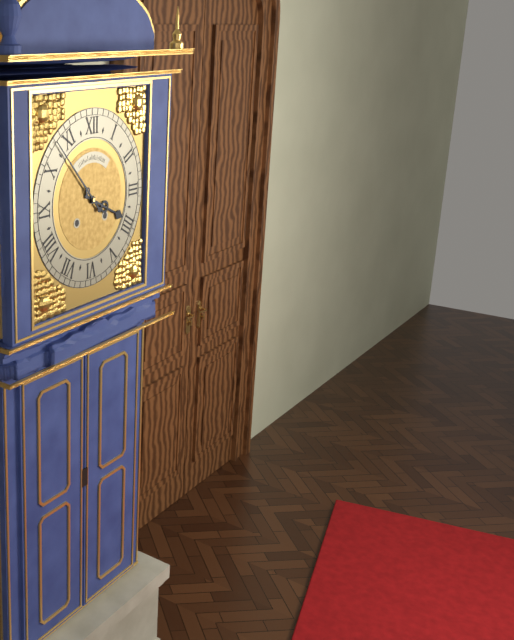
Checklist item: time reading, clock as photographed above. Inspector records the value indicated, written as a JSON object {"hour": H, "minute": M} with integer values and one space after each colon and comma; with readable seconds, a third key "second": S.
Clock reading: {"hour": 3, "minute": 53}
